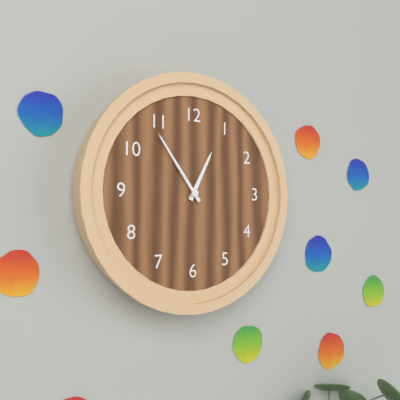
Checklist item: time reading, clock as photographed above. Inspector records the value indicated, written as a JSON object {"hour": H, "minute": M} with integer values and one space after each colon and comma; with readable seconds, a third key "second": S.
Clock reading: {"hour": 12, "minute": 54}
